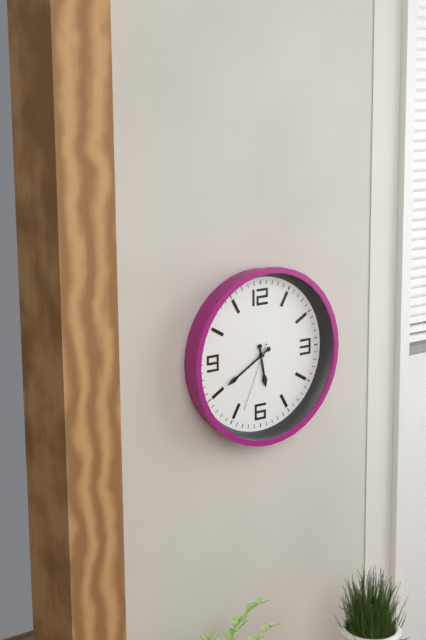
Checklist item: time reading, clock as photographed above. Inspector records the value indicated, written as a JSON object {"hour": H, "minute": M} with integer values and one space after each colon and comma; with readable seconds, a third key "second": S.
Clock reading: {"hour": 5, "minute": 40, "second": 34}
